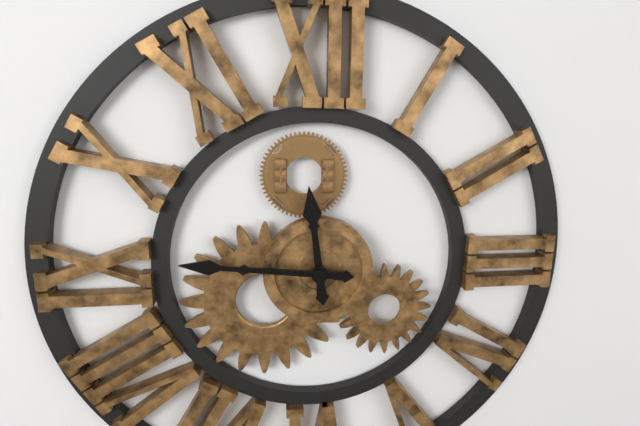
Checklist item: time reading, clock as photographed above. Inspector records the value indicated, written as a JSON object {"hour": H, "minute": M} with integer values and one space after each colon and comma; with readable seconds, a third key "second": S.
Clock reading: {"hour": 11, "minute": 46}
